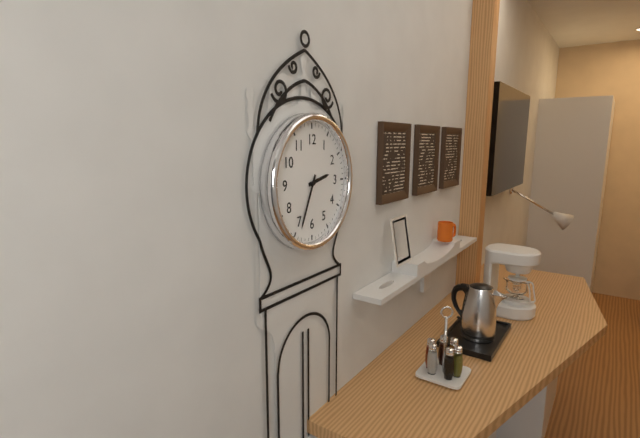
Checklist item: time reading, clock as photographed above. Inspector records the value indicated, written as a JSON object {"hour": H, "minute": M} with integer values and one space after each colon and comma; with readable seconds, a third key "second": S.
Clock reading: {"hour": 2, "minute": 34}
